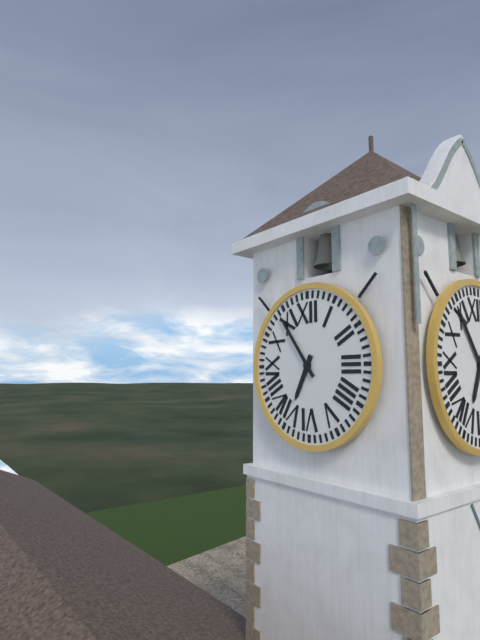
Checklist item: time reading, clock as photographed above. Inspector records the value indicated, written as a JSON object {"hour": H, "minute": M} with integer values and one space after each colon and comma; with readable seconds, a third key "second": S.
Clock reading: {"hour": 6, "minute": 54}
